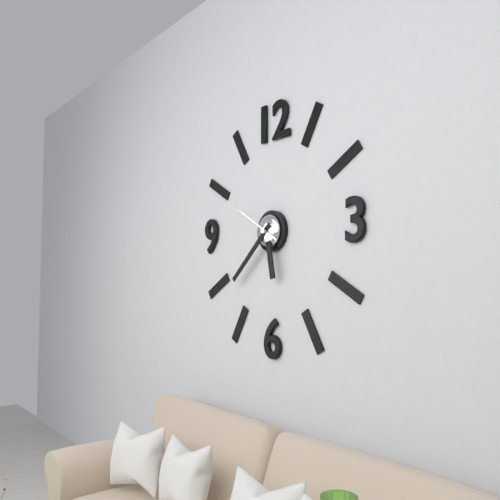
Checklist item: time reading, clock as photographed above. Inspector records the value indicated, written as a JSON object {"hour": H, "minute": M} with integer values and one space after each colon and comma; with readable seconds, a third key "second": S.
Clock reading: {"hour": 5, "minute": 38}
